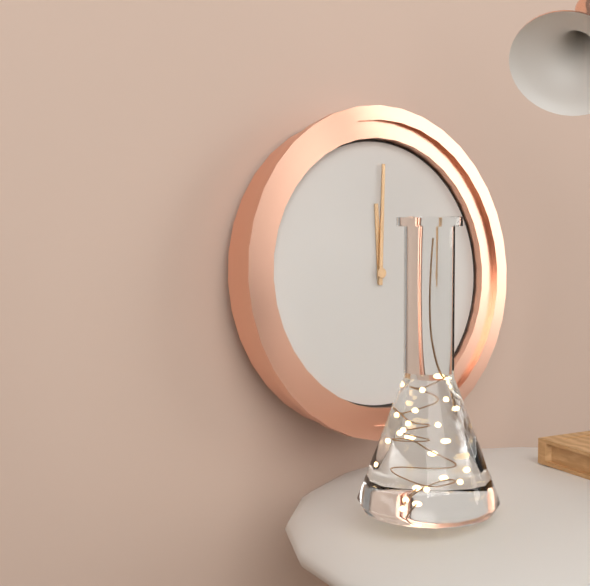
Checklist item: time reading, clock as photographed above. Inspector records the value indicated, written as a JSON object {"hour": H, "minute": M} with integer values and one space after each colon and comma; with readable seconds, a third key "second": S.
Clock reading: {"hour": 12, "minute": 1}
